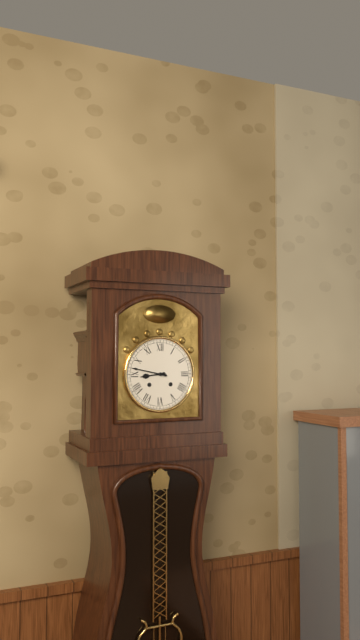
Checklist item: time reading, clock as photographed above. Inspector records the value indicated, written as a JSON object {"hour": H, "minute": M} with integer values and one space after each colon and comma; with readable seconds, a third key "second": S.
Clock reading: {"hour": 8, "minute": 47}
